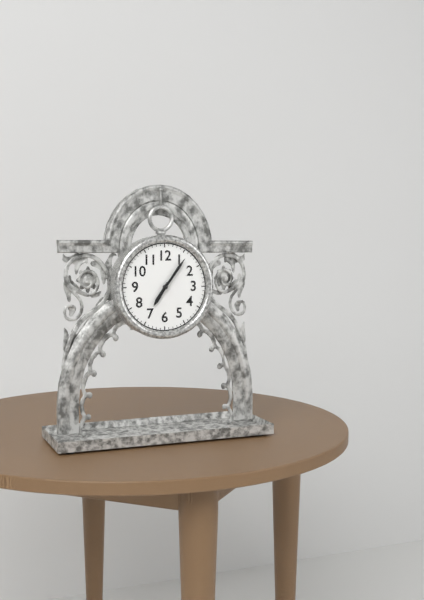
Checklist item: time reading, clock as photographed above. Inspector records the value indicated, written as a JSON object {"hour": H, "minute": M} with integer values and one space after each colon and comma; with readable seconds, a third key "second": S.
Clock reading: {"hour": 7, "minute": 6}
